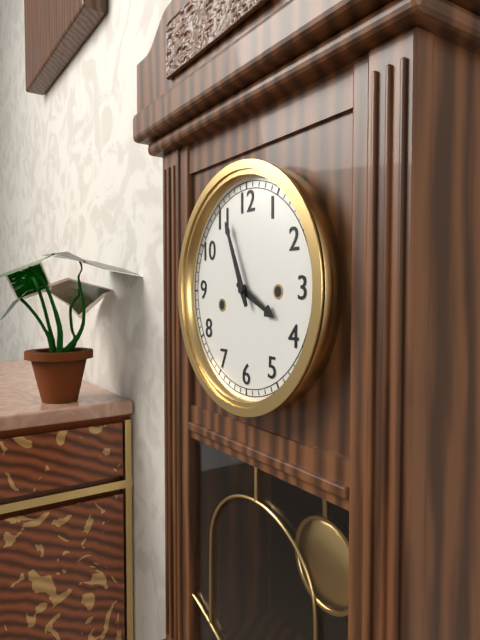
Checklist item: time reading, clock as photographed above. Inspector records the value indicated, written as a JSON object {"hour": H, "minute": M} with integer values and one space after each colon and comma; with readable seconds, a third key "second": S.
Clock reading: {"hour": 3, "minute": 56}
